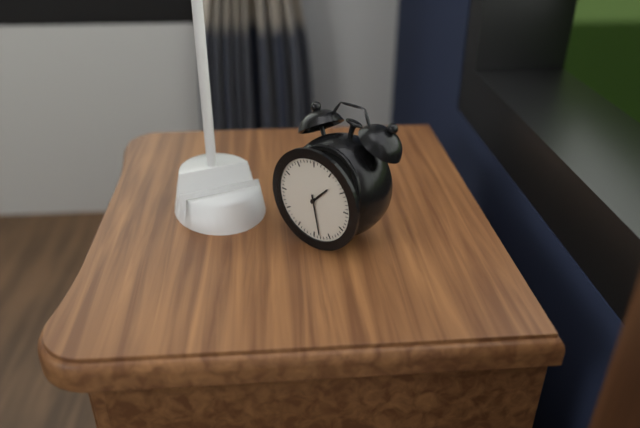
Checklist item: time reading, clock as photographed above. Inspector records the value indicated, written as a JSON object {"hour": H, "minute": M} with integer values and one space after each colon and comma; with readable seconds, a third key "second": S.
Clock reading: {"hour": 1, "minute": 28}
